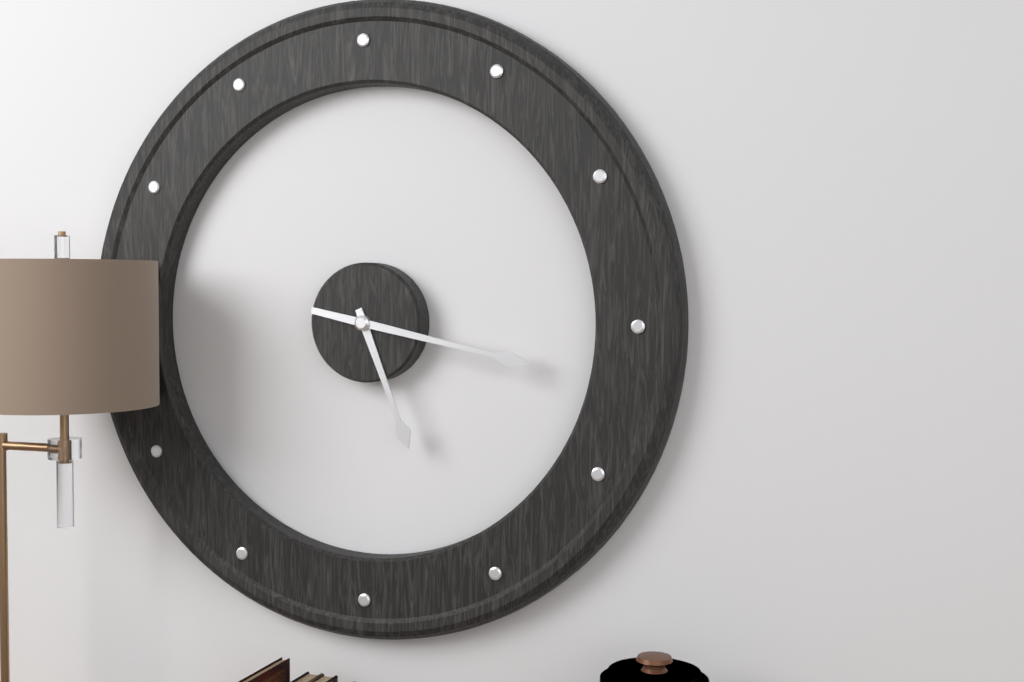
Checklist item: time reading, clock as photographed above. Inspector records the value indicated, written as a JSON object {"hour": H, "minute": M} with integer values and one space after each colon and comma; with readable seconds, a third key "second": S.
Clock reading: {"hour": 5, "minute": 17}
